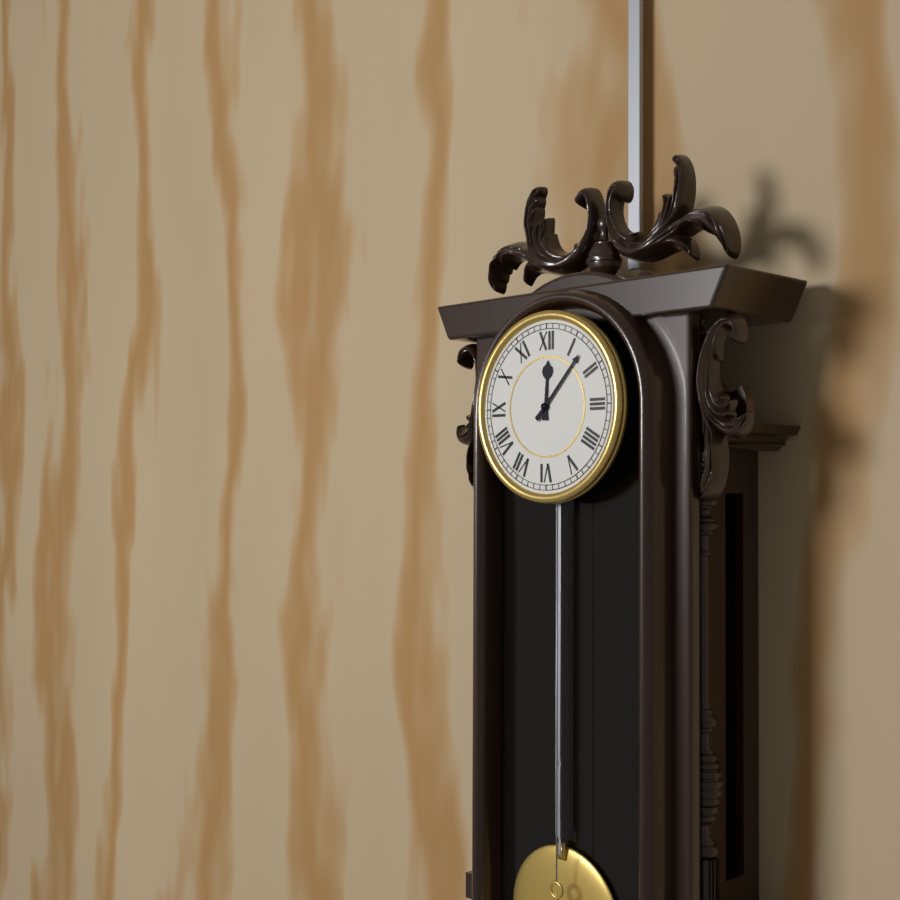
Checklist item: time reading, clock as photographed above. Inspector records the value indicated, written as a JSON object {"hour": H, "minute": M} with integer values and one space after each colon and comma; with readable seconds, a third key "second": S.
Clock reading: {"hour": 12, "minute": 7}
